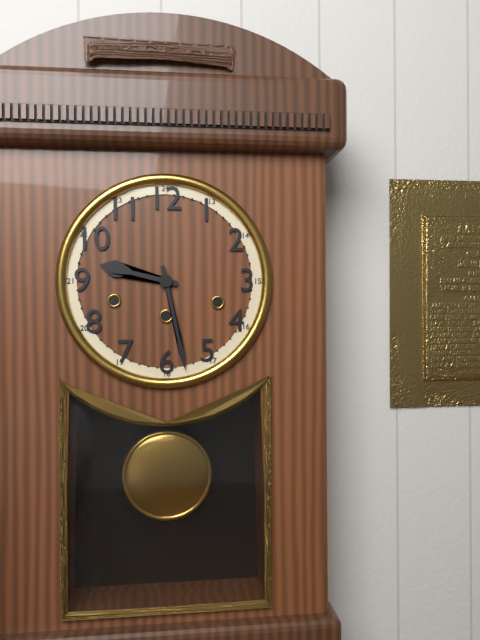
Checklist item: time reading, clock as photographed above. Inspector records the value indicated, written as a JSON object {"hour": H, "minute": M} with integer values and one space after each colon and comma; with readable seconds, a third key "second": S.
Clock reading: {"hour": 9, "minute": 28}
